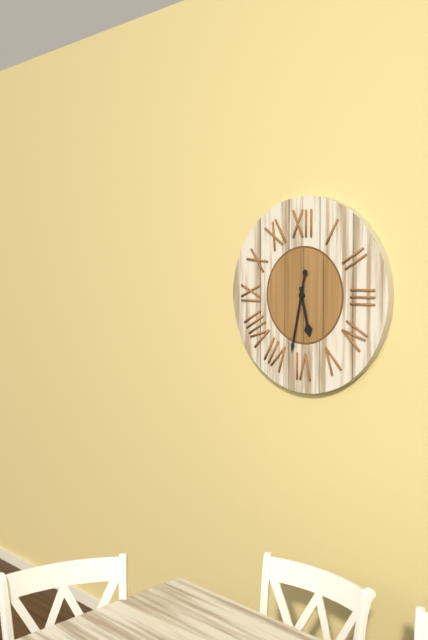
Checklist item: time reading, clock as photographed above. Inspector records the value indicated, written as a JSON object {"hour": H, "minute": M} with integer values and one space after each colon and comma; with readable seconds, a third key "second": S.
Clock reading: {"hour": 5, "minute": 32}
